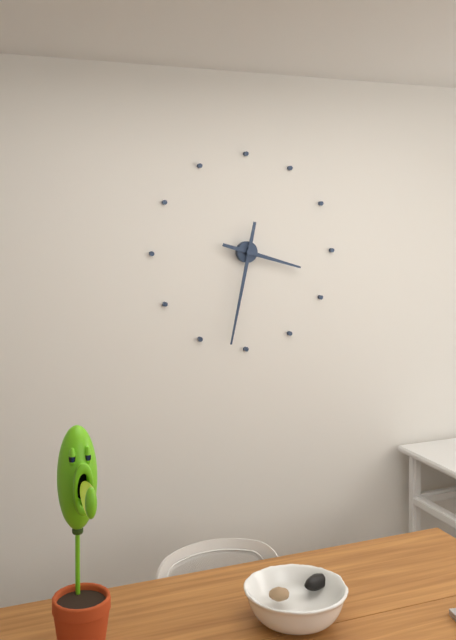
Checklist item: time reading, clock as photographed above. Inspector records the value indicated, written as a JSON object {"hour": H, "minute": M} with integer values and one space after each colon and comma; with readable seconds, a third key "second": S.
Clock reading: {"hour": 3, "minute": 32}
